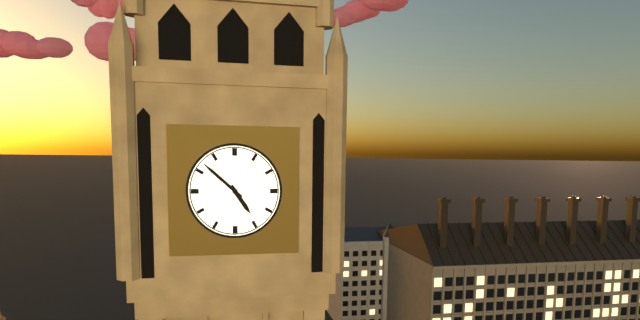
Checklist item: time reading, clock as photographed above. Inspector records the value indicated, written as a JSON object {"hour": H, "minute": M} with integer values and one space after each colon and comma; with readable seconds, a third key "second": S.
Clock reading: {"hour": 4, "minute": 52}
